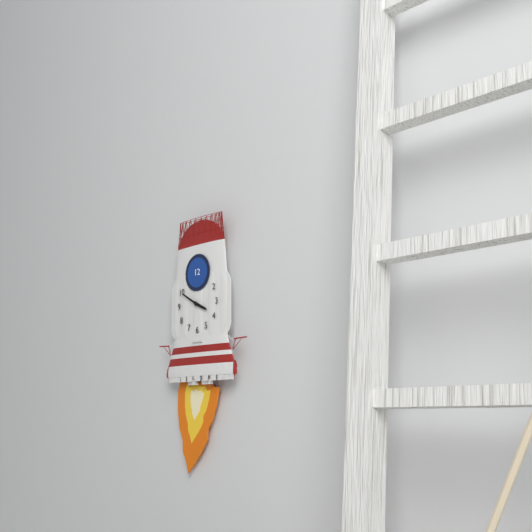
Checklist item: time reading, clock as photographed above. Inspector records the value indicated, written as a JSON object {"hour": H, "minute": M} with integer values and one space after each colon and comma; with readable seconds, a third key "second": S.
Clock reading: {"hour": 3, "minute": 50}
